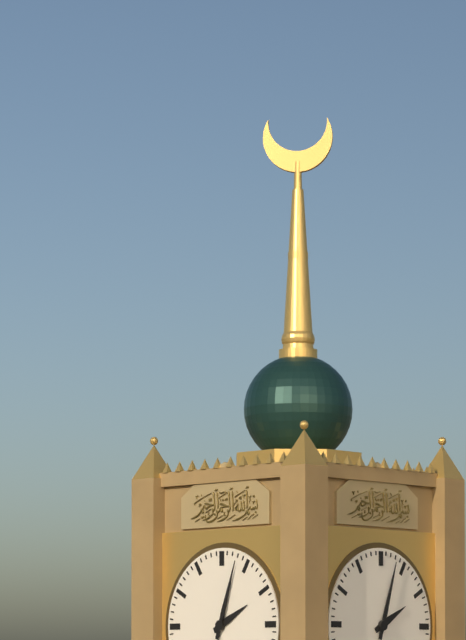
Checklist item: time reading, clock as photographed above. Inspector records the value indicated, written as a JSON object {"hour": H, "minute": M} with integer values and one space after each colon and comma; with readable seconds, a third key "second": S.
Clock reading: {"hour": 2, "minute": 3}
